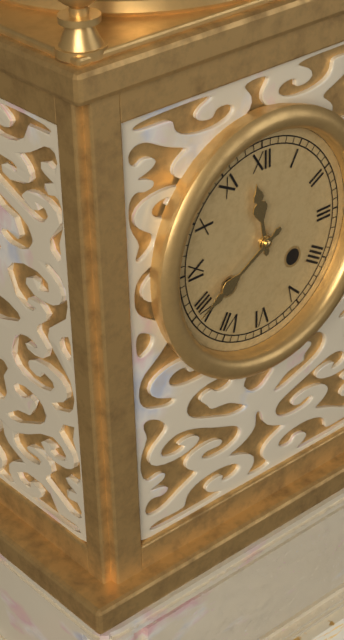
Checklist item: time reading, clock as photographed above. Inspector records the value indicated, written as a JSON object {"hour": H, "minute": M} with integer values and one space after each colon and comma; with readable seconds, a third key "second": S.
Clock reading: {"hour": 11, "minute": 40}
